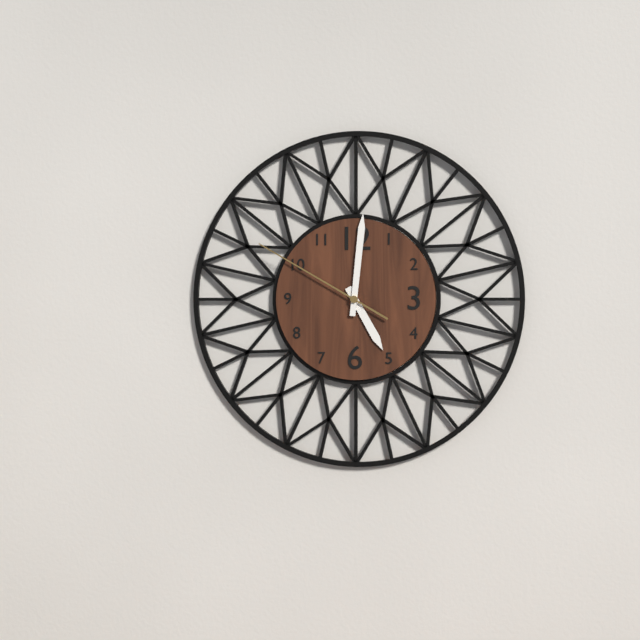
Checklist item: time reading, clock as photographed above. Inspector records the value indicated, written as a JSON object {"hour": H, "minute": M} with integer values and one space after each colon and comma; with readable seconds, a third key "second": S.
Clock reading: {"hour": 5, "minute": 1, "second": 50}
